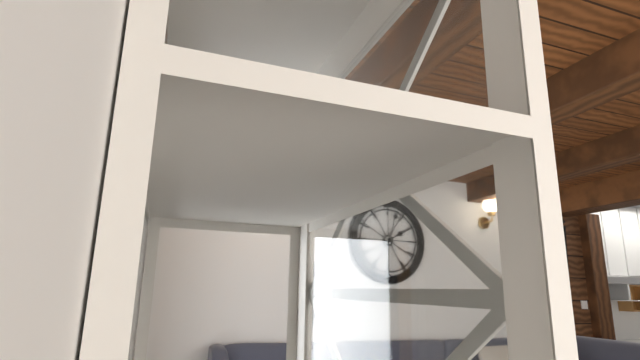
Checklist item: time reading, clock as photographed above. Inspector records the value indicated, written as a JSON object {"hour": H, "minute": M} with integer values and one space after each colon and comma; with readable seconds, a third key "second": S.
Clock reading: {"hour": 2, "minute": 3}
